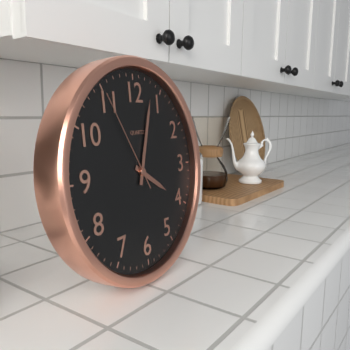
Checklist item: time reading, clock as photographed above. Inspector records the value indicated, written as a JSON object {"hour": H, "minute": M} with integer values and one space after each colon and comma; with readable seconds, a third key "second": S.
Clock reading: {"hour": 4, "minute": 3, "second": 55}
